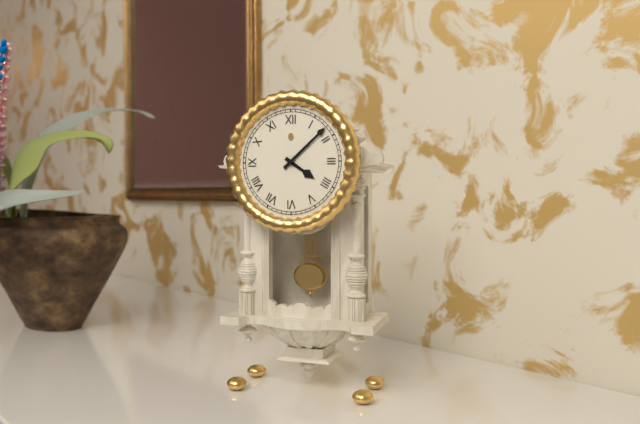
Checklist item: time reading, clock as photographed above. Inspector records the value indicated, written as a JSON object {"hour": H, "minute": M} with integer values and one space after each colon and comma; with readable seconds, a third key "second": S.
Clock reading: {"hour": 4, "minute": 8}
